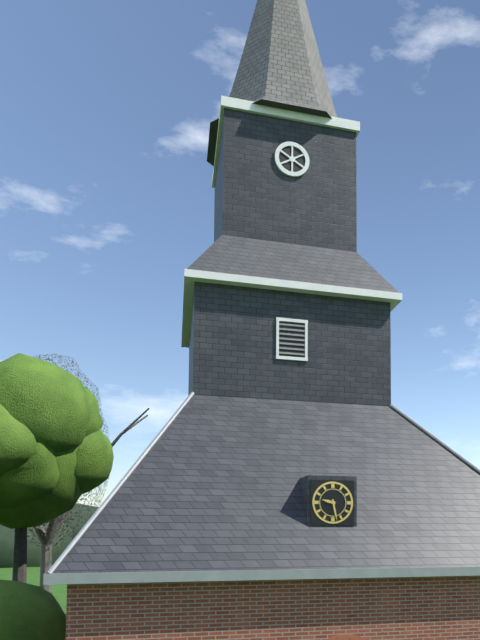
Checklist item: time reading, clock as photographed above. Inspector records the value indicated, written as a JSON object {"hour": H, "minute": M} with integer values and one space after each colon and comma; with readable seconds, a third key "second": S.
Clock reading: {"hour": 9, "minute": 28}
